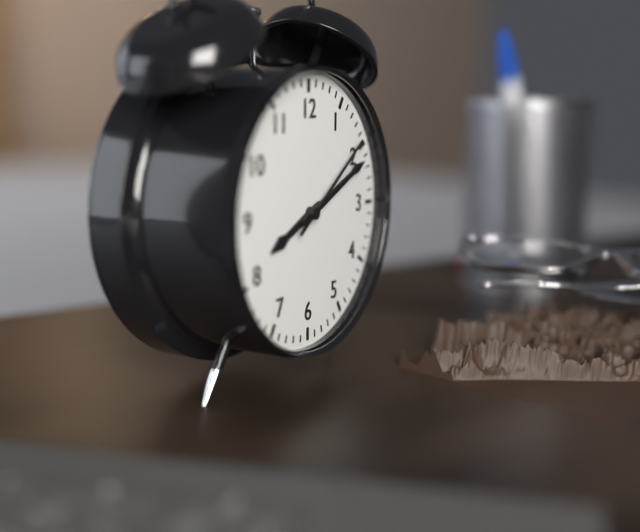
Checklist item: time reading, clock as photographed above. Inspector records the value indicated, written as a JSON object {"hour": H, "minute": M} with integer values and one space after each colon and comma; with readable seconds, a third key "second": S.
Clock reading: {"hour": 8, "minute": 11, "second": 9}
